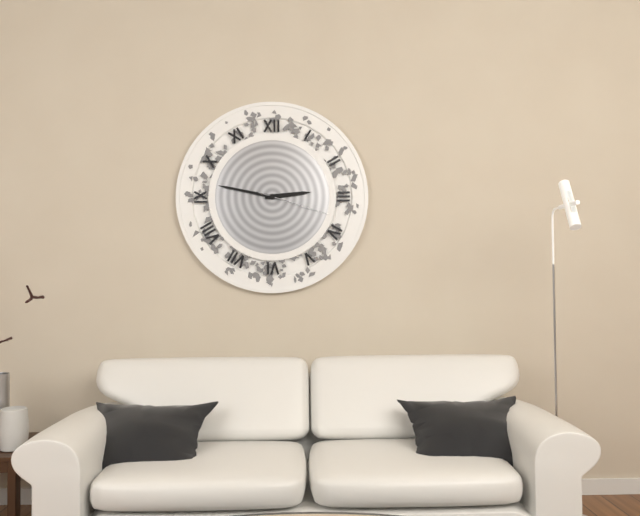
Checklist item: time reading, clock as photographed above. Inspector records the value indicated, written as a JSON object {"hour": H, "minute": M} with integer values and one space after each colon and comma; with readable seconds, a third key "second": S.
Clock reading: {"hour": 2, "minute": 47, "second": 18}
